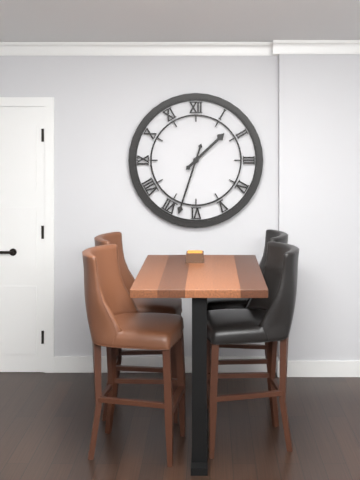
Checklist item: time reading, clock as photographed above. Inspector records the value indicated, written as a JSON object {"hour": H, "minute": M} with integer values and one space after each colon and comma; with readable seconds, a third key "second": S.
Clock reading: {"hour": 1, "minute": 33}
